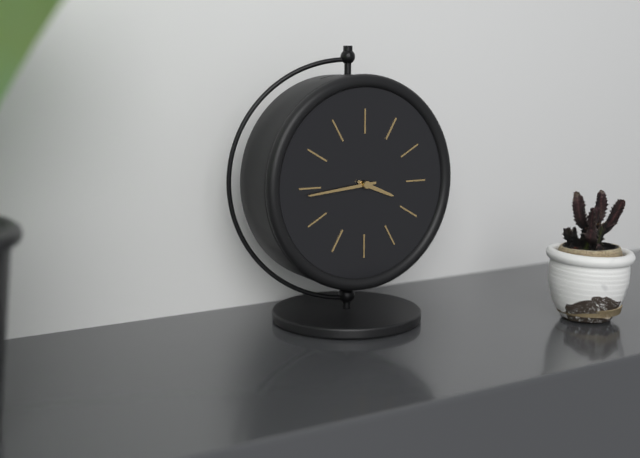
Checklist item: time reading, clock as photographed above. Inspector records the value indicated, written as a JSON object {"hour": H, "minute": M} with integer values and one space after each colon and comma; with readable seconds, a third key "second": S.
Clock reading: {"hour": 3, "minute": 44}
